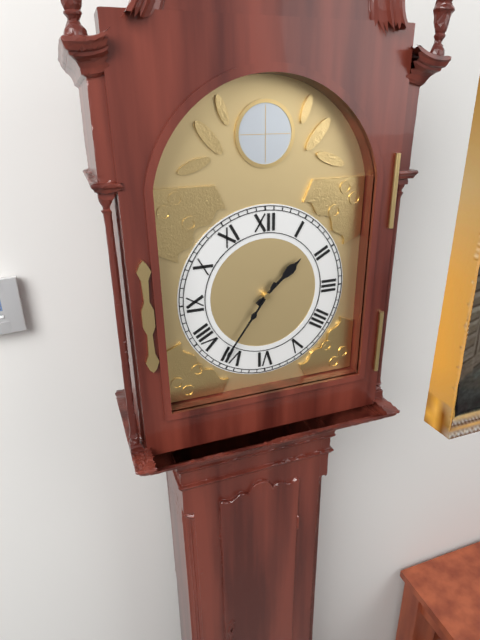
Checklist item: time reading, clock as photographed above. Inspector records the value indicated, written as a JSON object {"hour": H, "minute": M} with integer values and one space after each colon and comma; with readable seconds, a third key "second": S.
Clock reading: {"hour": 1, "minute": 36}
